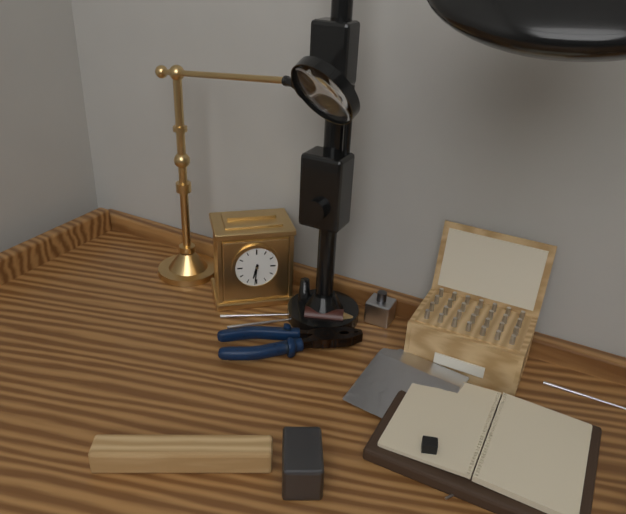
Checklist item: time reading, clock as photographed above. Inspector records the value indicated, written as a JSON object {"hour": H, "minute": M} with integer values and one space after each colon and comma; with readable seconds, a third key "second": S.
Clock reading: {"hour": 6, "minute": 31}
